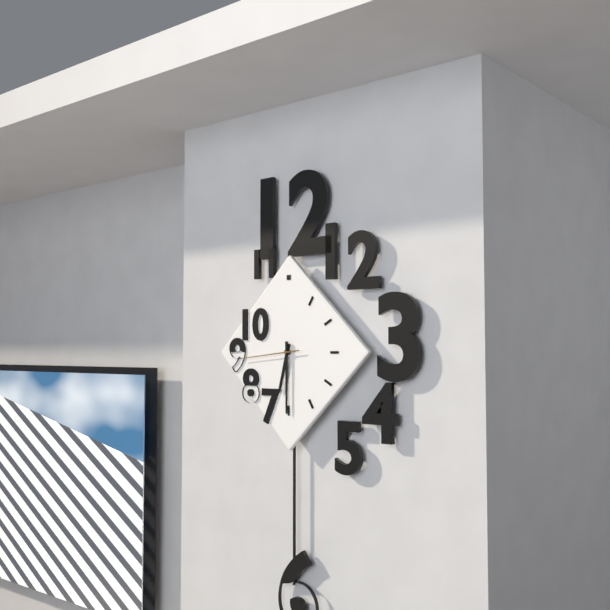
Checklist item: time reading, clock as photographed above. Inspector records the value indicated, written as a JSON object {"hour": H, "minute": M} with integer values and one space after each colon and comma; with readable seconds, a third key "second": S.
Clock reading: {"hour": 6, "minute": 30, "second": 44}
